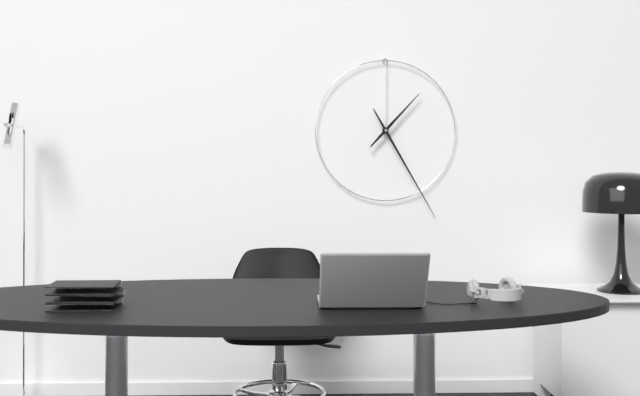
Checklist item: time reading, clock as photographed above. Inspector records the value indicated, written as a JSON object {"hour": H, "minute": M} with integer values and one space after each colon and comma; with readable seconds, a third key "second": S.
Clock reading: {"hour": 1, "minute": 25}
